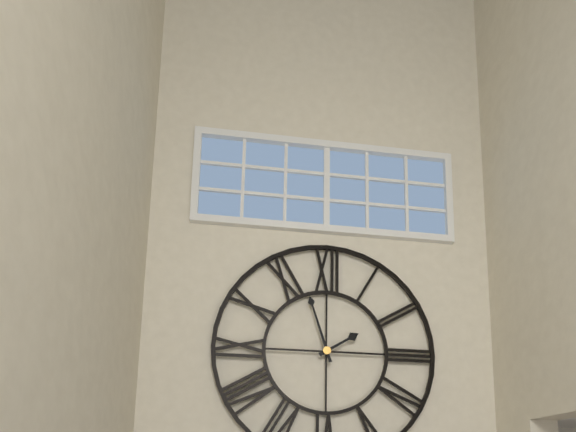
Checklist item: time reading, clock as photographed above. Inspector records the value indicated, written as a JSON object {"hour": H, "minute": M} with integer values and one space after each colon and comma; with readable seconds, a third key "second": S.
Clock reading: {"hour": 1, "minute": 57}
